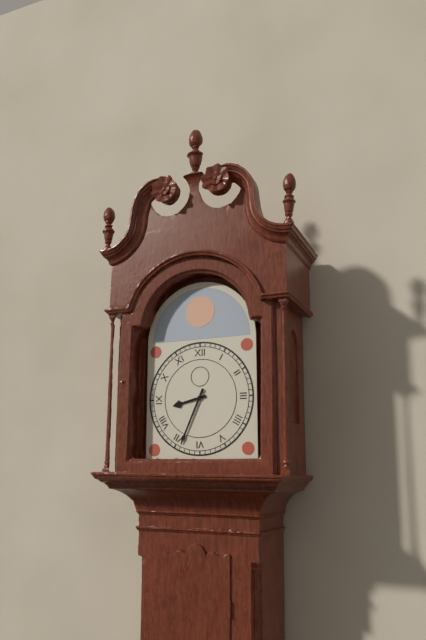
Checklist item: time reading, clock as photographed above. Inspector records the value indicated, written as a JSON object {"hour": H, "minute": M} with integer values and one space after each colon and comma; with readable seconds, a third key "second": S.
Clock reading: {"hour": 8, "minute": 34}
